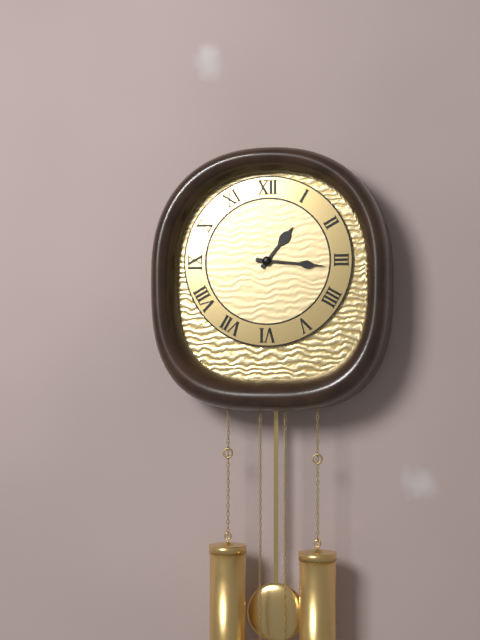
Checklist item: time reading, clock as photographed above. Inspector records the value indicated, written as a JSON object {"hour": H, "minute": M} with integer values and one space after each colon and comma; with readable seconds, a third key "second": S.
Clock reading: {"hour": 1, "minute": 16}
